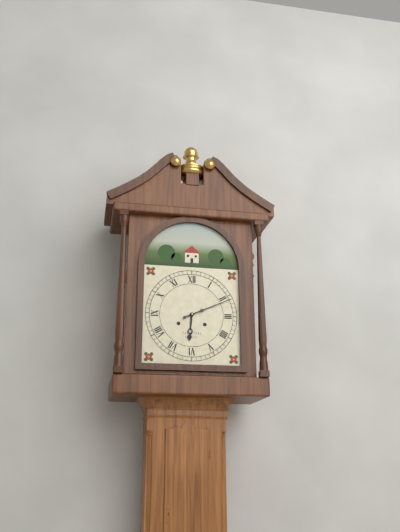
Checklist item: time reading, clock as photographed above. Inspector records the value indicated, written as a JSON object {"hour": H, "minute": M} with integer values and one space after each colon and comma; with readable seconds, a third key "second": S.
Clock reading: {"hour": 6, "minute": 11}
